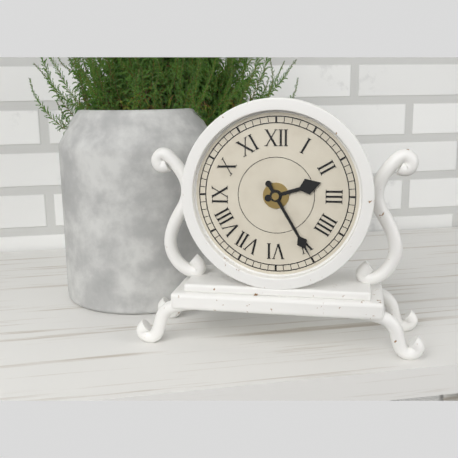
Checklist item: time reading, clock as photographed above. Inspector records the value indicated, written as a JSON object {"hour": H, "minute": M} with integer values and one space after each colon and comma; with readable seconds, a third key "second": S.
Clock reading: {"hour": 2, "minute": 25}
